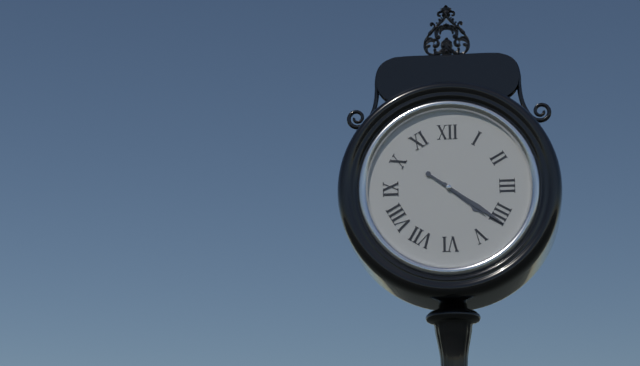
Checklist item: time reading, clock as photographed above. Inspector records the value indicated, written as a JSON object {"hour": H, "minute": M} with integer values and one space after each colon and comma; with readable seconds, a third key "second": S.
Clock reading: {"hour": 4, "minute": 21}
